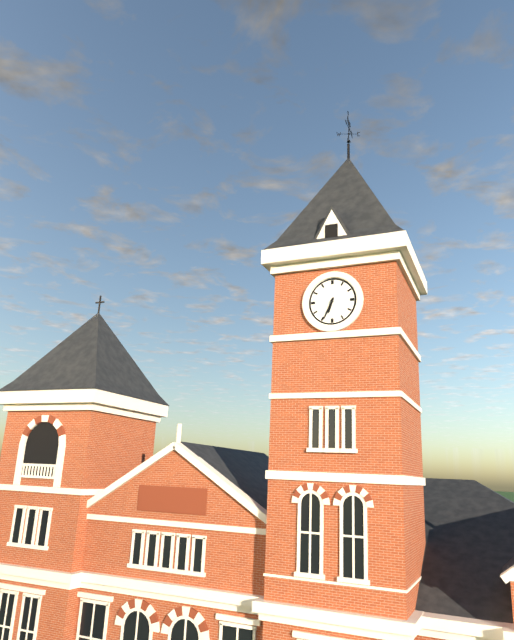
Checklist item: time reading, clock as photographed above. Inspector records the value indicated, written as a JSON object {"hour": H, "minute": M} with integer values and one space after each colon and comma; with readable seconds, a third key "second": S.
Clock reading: {"hour": 6, "minute": 34}
